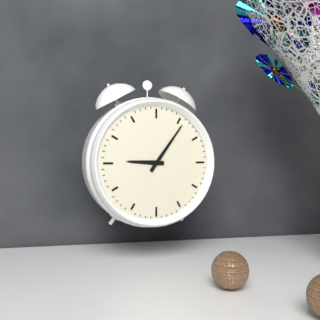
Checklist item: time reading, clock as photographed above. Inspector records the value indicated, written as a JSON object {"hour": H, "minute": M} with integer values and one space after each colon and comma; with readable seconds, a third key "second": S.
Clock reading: {"hour": 9, "minute": 6}
